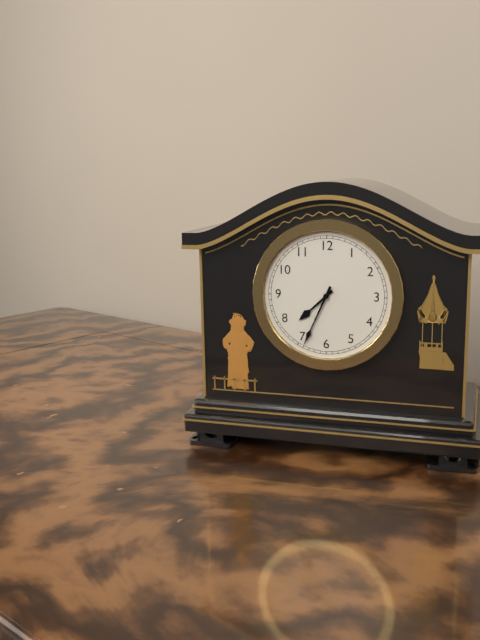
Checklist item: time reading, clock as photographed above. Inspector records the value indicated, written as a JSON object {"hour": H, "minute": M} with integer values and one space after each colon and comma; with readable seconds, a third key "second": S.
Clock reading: {"hour": 7, "minute": 34}
